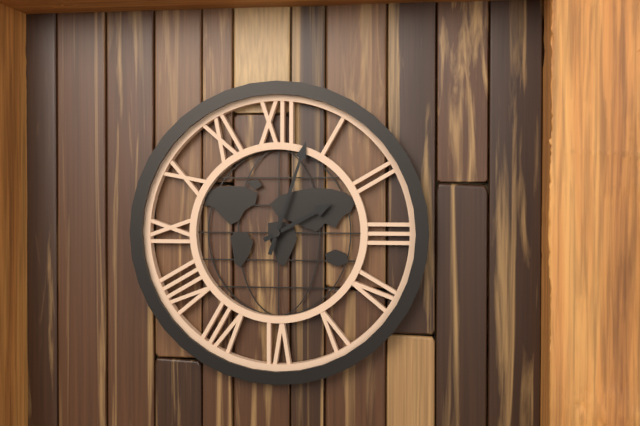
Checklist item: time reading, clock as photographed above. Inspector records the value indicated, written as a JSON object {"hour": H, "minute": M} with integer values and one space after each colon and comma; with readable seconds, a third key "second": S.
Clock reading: {"hour": 2, "minute": 3}
